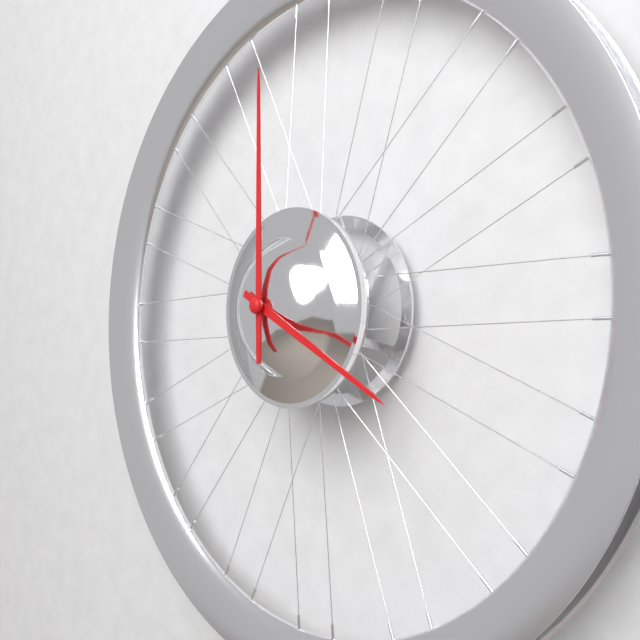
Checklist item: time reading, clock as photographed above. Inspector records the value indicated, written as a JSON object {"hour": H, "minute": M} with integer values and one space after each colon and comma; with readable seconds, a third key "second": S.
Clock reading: {"hour": 4, "minute": 0}
